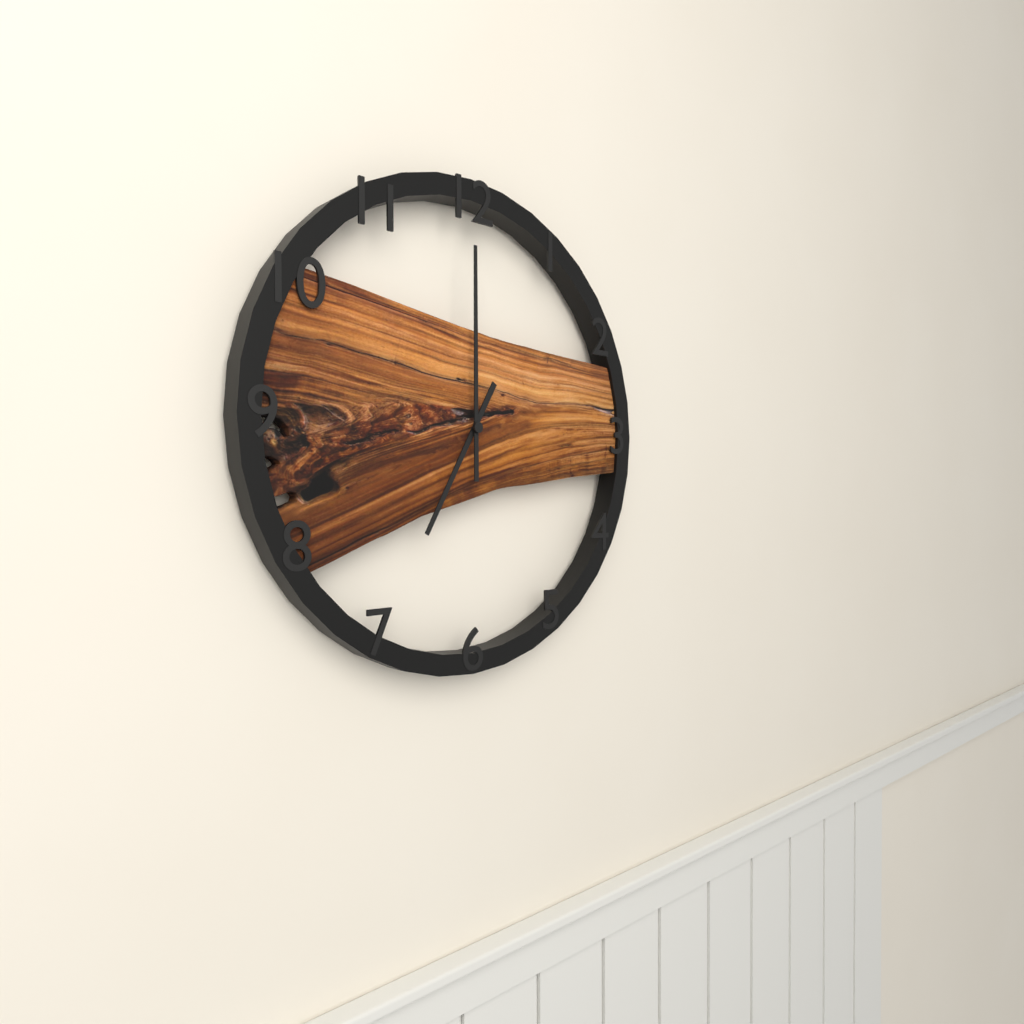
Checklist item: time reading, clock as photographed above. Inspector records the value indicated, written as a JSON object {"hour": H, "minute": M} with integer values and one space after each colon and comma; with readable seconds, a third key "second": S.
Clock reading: {"hour": 7, "minute": 0}
